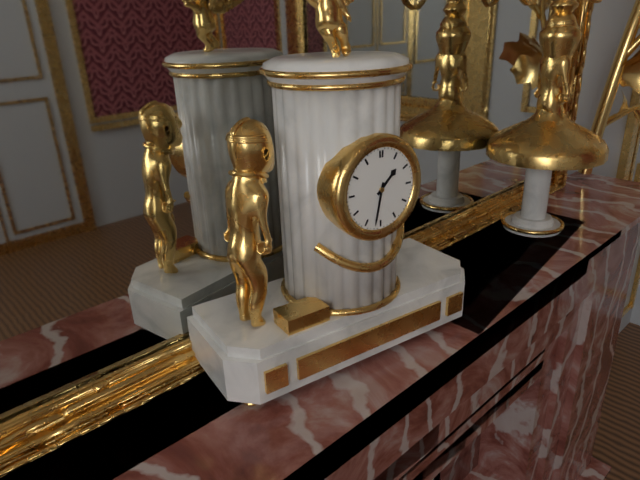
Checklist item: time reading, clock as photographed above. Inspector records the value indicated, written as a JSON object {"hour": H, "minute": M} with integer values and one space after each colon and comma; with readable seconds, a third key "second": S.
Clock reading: {"hour": 1, "minute": 32}
